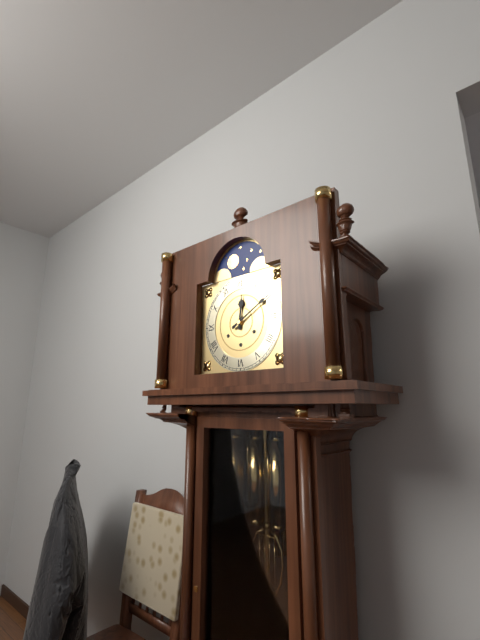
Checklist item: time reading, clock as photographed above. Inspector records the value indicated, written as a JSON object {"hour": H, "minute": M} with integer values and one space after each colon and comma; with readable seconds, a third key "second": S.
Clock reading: {"hour": 12, "minute": 10}
